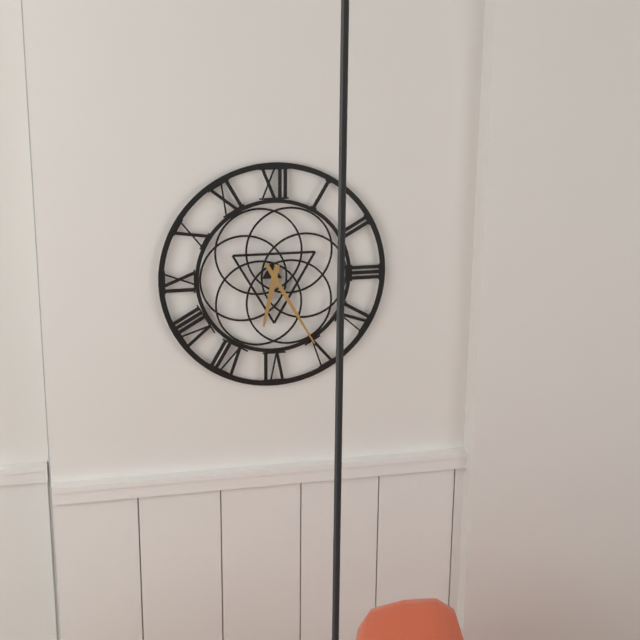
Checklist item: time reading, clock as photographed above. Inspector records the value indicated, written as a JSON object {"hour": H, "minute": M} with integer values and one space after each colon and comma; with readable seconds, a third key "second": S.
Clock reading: {"hour": 6, "minute": 25}
